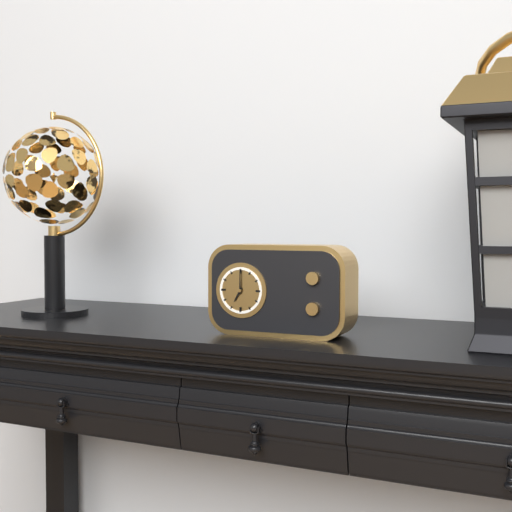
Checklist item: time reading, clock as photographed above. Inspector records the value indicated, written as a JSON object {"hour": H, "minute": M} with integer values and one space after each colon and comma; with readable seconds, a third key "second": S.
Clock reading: {"hour": 7, "minute": 0}
